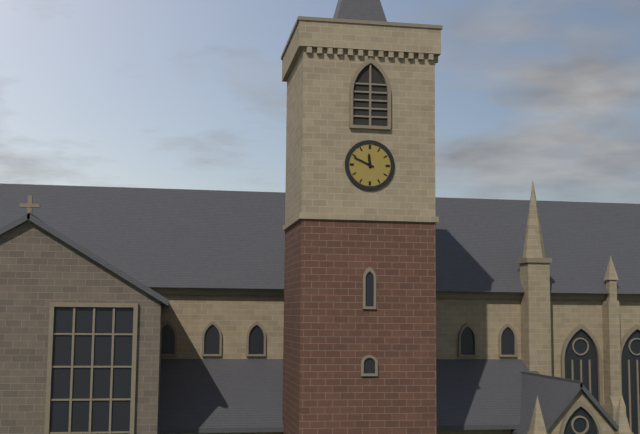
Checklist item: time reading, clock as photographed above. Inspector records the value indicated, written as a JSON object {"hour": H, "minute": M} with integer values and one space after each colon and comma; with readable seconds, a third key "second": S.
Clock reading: {"hour": 11, "minute": 49}
